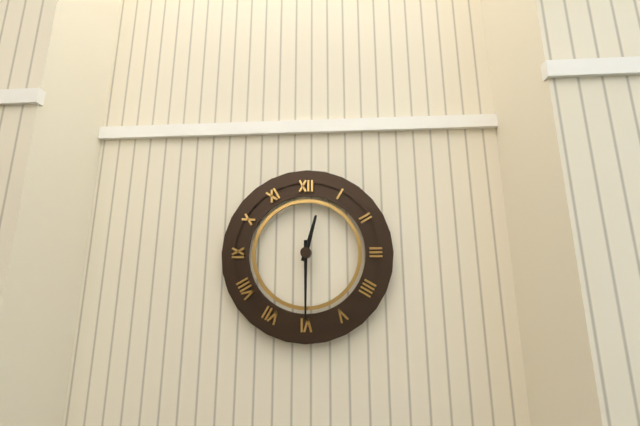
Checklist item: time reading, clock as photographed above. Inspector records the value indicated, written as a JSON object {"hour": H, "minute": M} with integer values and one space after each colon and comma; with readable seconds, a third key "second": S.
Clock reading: {"hour": 12, "minute": 30}
